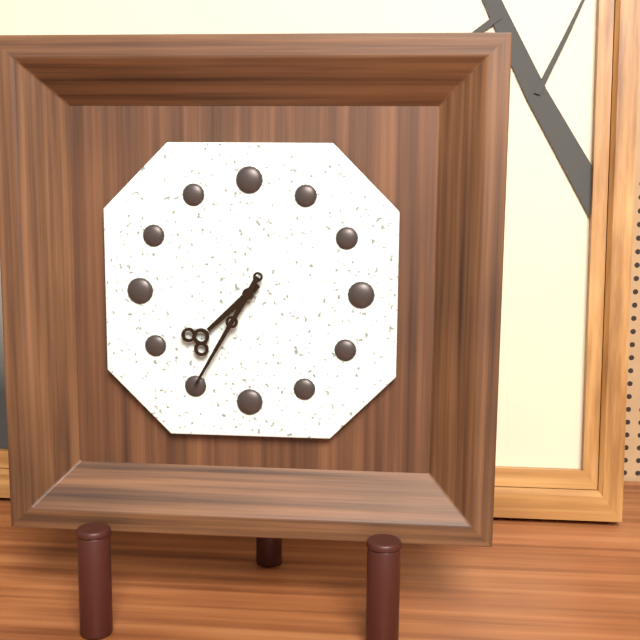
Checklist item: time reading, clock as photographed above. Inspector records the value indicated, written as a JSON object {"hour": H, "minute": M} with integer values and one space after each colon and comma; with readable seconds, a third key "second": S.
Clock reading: {"hour": 7, "minute": 35}
